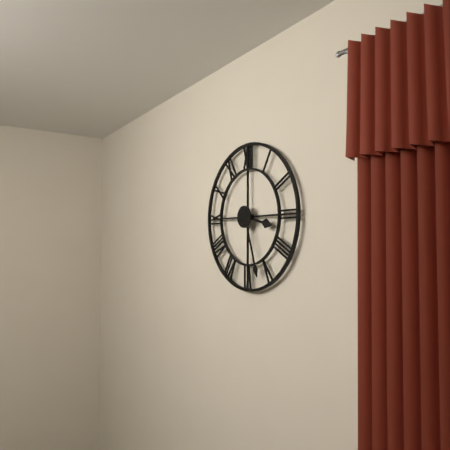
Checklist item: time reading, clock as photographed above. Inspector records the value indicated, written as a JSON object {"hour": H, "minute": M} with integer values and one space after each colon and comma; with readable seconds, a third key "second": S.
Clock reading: {"hour": 3, "minute": 27}
